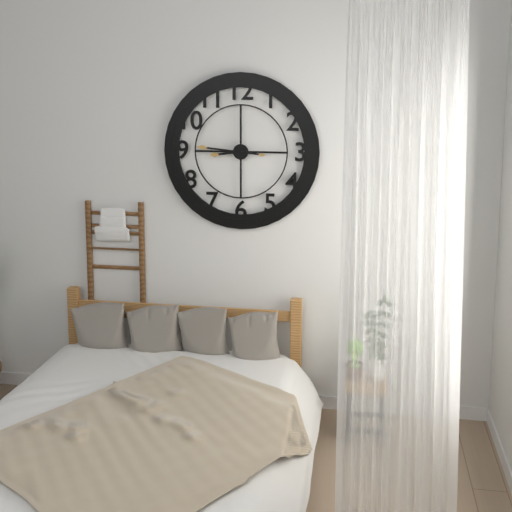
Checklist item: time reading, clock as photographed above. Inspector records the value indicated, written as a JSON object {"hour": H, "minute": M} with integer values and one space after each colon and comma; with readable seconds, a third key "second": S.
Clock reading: {"hour": 8, "minute": 46}
